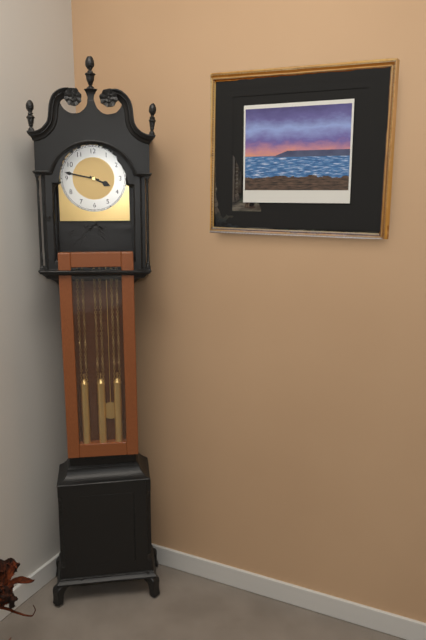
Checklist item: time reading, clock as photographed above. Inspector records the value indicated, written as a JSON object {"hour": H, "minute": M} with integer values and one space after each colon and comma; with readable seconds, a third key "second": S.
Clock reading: {"hour": 3, "minute": 47}
